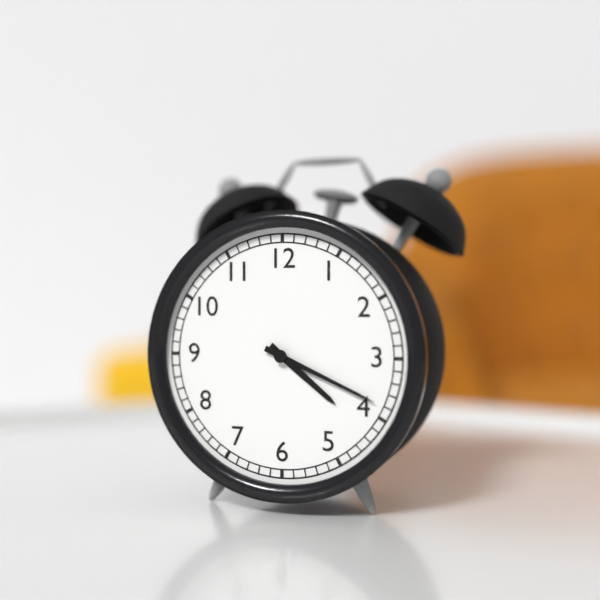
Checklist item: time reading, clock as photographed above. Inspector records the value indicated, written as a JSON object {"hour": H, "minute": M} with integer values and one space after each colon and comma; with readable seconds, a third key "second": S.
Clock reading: {"hour": 4, "minute": 19}
